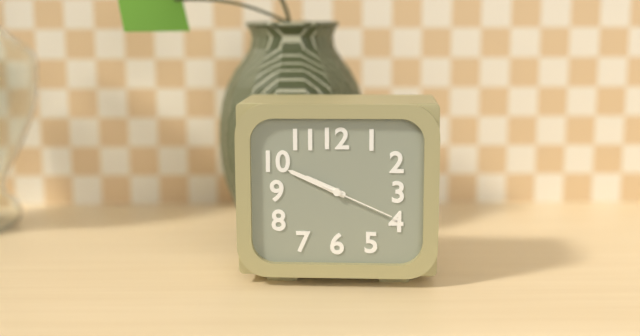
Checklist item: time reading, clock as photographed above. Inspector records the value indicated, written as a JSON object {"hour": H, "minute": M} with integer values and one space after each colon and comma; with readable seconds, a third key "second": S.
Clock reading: {"hour": 9, "minute": 49, "second": 19}
